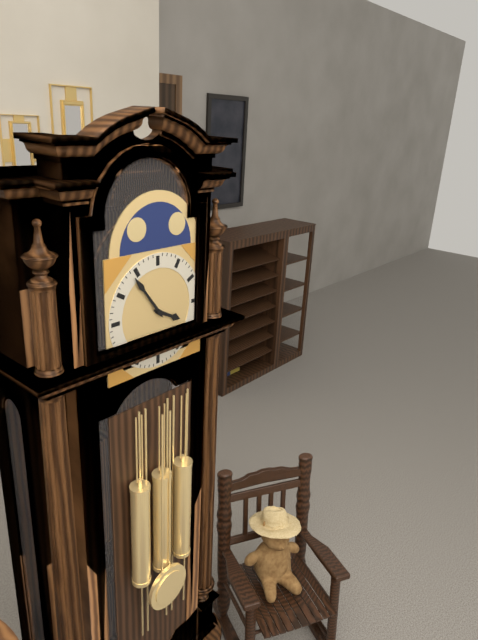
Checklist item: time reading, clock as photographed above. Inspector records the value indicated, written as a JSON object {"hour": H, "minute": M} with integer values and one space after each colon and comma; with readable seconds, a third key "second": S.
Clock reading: {"hour": 3, "minute": 54}
